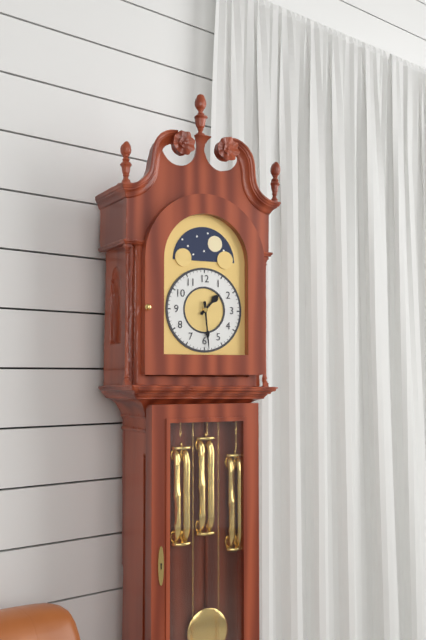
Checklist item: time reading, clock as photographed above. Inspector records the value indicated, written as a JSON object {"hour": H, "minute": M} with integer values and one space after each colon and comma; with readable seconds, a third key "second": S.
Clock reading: {"hour": 1, "minute": 29}
